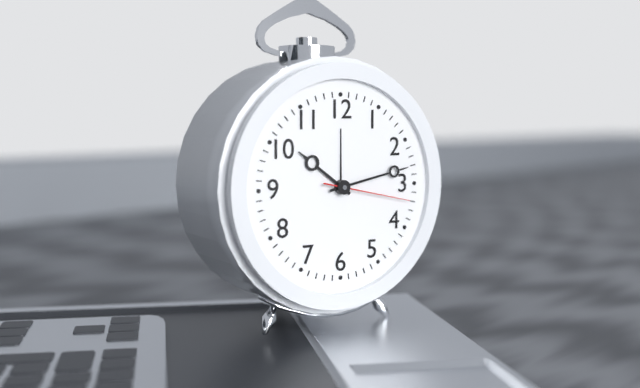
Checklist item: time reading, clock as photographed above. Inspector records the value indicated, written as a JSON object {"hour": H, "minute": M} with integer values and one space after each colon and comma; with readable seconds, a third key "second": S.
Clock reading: {"hour": 10, "minute": 13, "second": 17}
